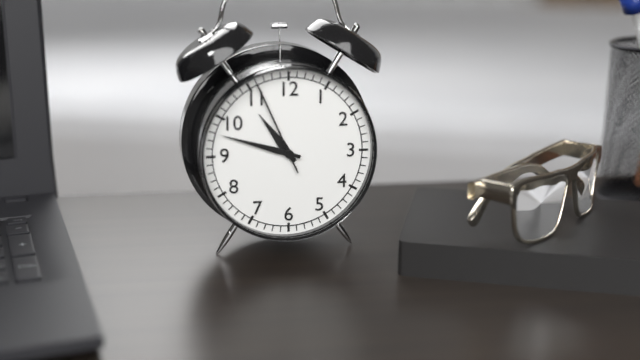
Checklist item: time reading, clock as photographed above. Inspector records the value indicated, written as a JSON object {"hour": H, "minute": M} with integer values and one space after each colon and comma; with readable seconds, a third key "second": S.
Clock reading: {"hour": 10, "minute": 48, "second": 56}
